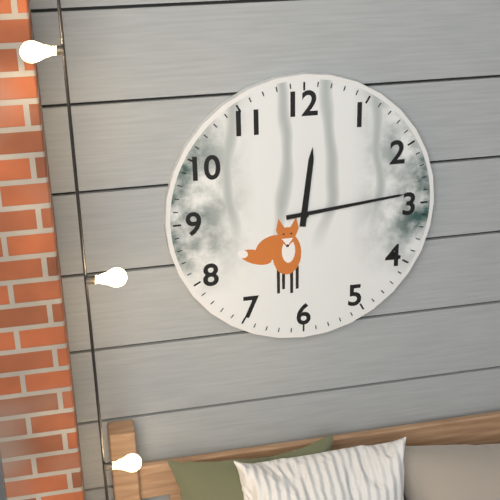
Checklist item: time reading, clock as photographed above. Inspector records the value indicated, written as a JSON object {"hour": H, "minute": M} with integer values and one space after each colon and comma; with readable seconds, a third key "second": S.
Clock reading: {"hour": 12, "minute": 14}
